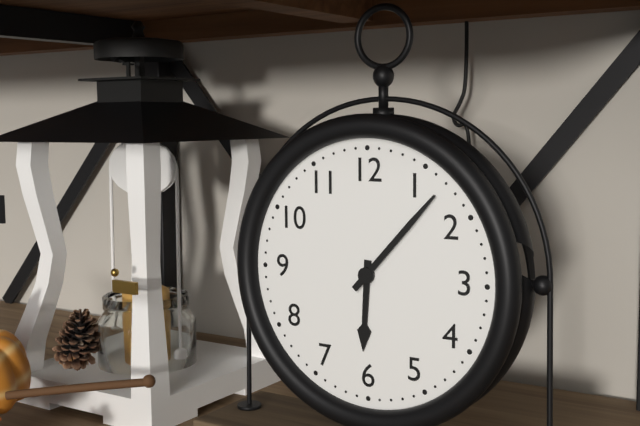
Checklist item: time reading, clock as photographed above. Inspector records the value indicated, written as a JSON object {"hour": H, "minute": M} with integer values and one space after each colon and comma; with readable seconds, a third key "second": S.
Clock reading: {"hour": 6, "minute": 7}
